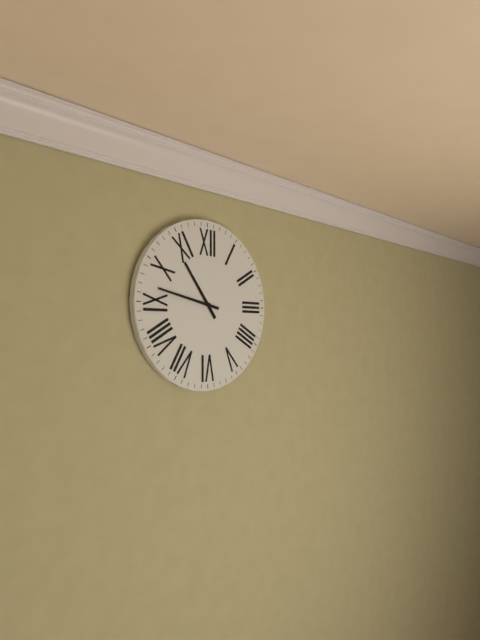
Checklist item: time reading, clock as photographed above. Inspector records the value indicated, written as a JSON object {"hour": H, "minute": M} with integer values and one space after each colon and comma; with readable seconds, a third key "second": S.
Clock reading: {"hour": 10, "minute": 47}
